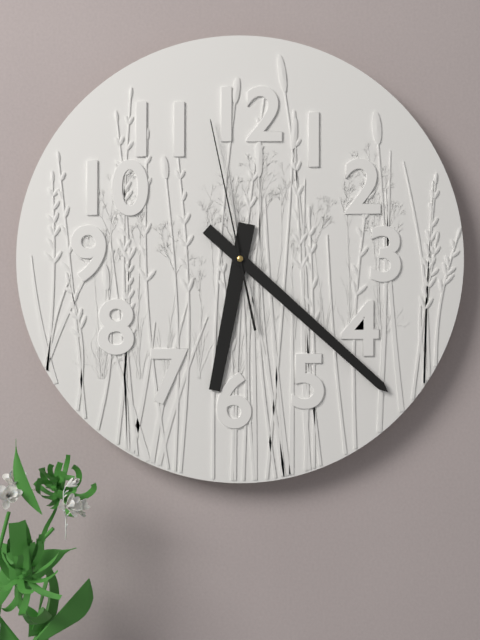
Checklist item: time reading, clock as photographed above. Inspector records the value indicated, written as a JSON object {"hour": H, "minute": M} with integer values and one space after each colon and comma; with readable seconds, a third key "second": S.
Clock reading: {"hour": 6, "minute": 22, "second": 58}
